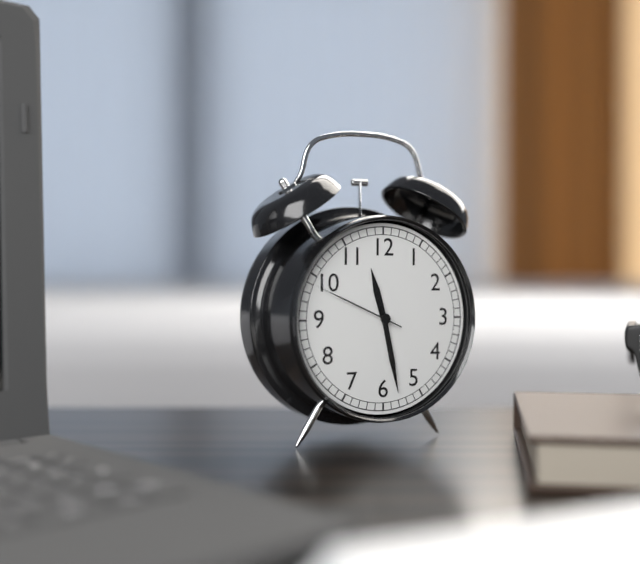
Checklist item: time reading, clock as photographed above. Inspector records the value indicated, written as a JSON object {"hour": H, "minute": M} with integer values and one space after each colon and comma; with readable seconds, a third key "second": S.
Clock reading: {"hour": 11, "minute": 28, "second": 49}
